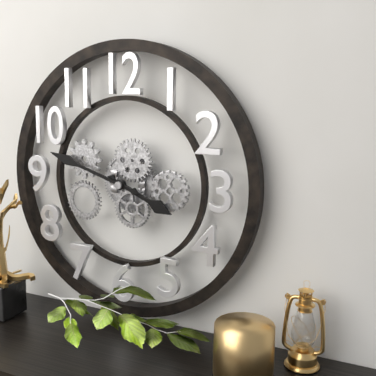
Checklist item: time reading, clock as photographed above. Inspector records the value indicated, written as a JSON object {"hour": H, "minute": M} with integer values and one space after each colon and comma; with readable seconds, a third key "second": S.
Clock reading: {"hour": 3, "minute": 48}
